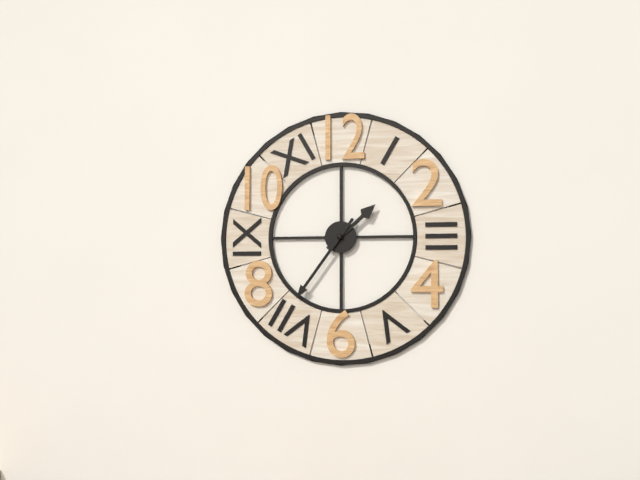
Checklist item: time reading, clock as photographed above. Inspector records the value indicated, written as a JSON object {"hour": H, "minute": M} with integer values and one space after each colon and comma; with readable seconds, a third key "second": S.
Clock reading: {"hour": 1, "minute": 36}
